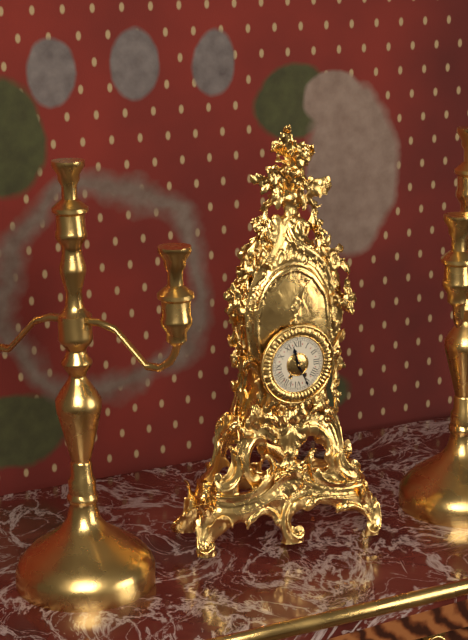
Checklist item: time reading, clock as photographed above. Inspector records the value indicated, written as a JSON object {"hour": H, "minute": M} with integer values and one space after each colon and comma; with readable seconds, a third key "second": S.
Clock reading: {"hour": 11, "minute": 26}
